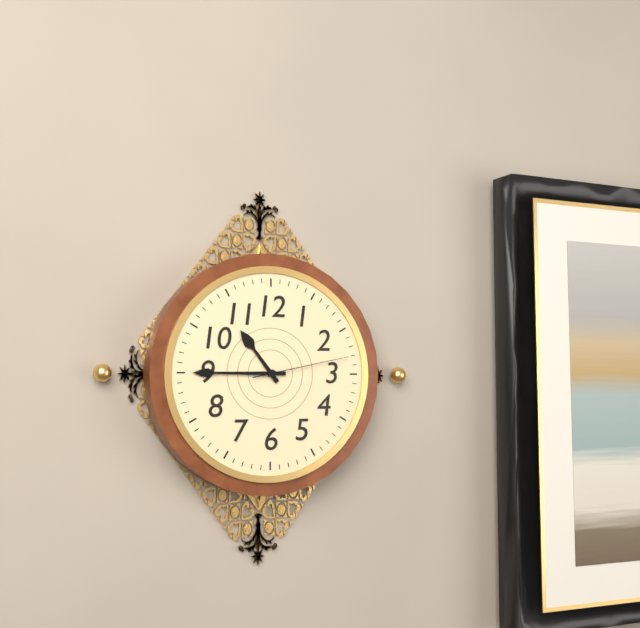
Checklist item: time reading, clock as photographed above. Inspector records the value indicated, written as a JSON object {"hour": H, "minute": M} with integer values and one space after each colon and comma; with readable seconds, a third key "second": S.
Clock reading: {"hour": 10, "minute": 45, "second": 13}
